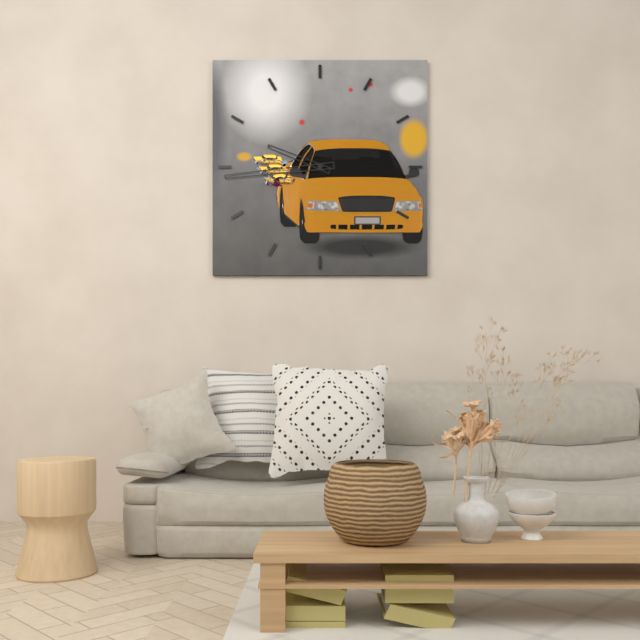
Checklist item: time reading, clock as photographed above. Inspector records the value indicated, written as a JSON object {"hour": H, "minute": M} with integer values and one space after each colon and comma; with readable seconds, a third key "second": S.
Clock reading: {"hour": 9, "minute": 44}
